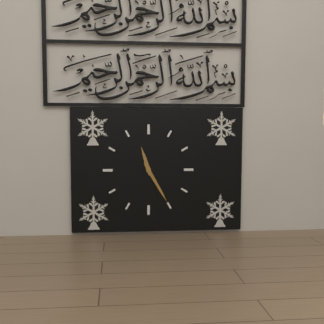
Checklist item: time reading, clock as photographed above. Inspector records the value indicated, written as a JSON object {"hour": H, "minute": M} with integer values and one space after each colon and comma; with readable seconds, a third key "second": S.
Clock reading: {"hour": 11, "minute": 25}
